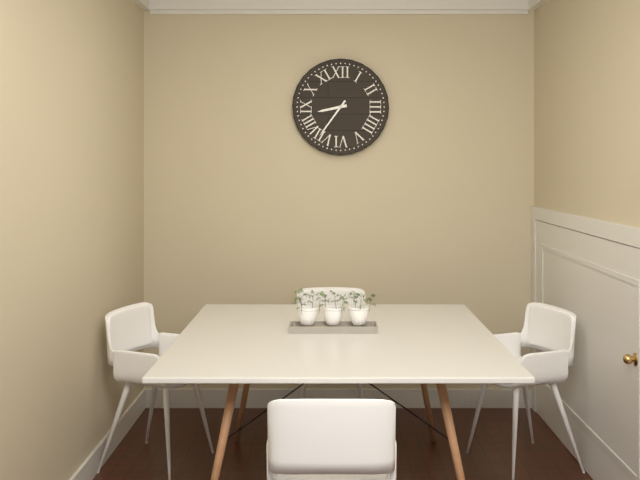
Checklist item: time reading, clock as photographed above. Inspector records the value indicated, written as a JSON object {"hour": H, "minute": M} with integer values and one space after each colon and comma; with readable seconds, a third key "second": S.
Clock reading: {"hour": 8, "minute": 36}
